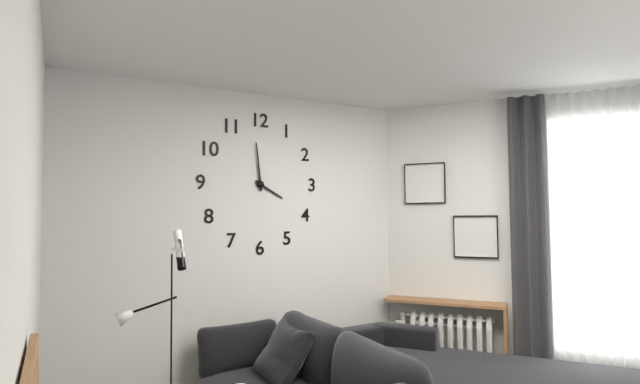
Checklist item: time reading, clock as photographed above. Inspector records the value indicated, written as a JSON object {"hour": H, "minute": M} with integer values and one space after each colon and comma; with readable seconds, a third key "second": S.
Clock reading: {"hour": 3, "minute": 59}
